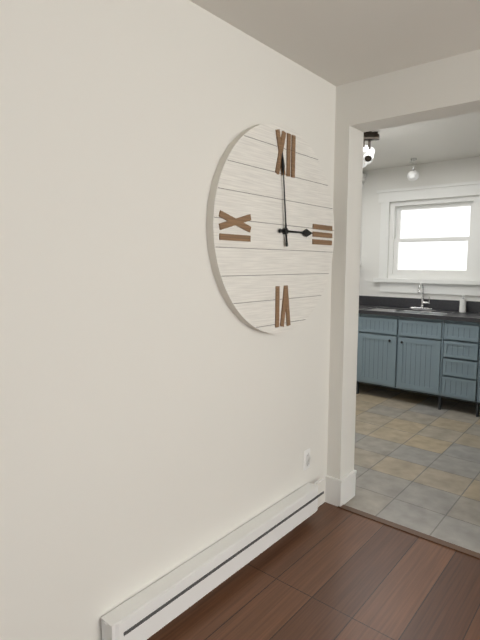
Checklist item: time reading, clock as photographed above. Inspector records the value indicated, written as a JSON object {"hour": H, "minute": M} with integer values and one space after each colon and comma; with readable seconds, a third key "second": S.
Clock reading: {"hour": 2, "minute": 59}
